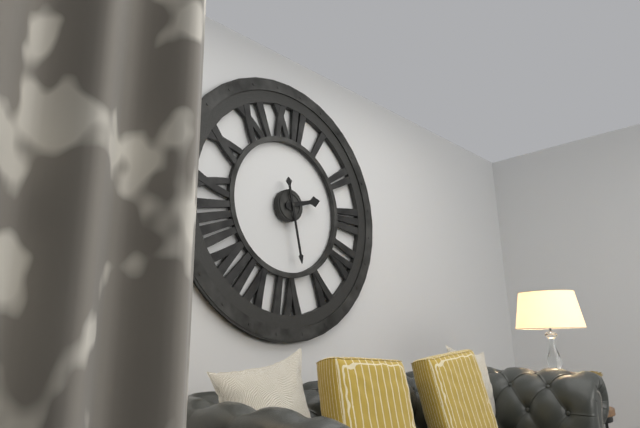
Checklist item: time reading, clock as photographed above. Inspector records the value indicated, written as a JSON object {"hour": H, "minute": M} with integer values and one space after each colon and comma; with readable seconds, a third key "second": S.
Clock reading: {"hour": 2, "minute": 28}
